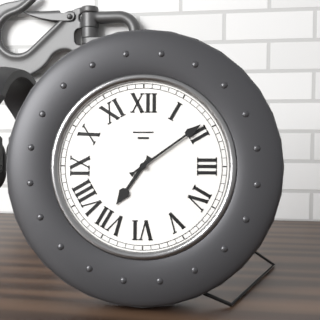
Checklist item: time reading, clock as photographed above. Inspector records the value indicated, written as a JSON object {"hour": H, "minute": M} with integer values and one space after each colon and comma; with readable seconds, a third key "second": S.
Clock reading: {"hour": 7, "minute": 9}
